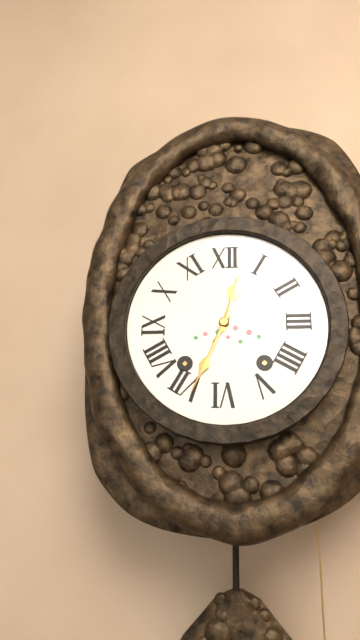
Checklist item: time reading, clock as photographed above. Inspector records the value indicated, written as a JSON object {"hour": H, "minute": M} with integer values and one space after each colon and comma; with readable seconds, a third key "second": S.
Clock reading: {"hour": 12, "minute": 34}
